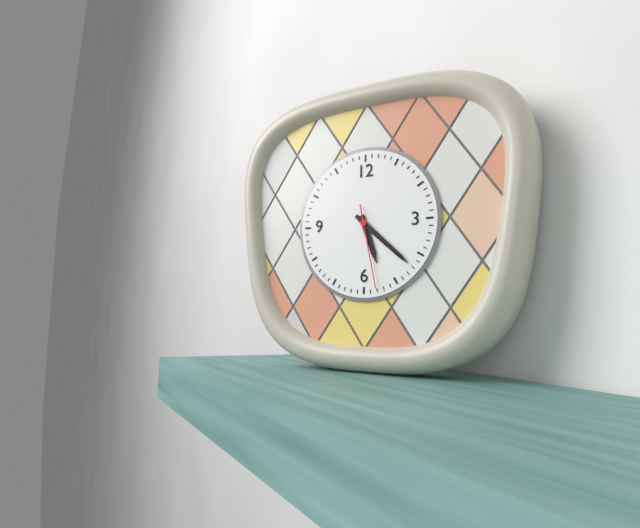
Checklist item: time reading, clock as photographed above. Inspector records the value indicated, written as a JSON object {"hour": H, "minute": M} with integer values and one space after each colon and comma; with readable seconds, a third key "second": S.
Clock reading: {"hour": 5, "minute": 22, "second": 28}
